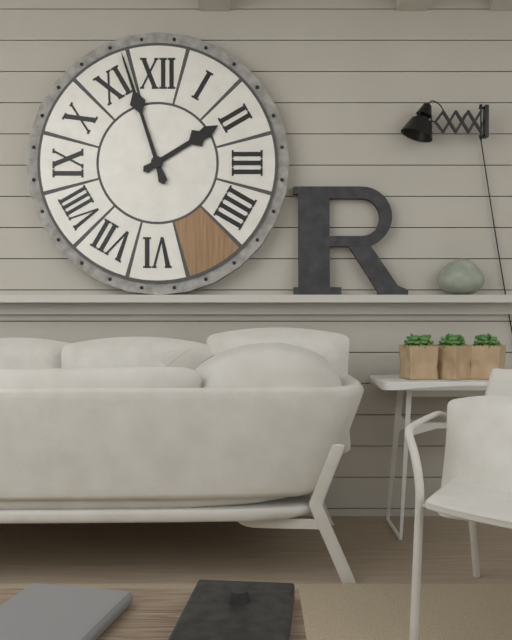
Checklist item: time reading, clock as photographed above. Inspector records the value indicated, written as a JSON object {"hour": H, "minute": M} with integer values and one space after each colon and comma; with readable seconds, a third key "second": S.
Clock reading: {"hour": 1, "minute": 57}
